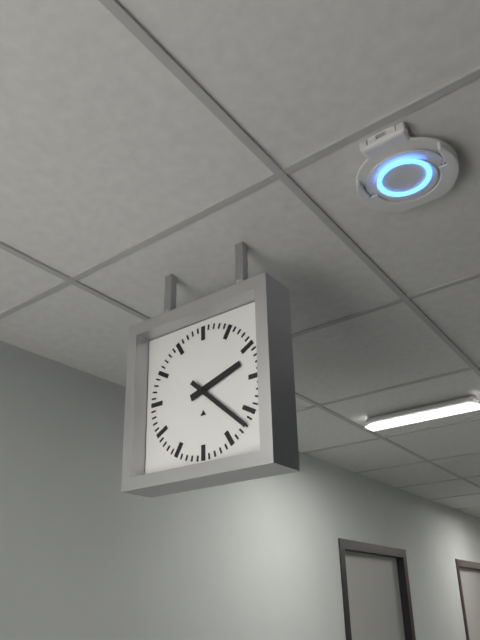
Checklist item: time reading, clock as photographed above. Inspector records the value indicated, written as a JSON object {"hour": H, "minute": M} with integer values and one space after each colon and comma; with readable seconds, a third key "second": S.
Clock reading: {"hour": 2, "minute": 22}
